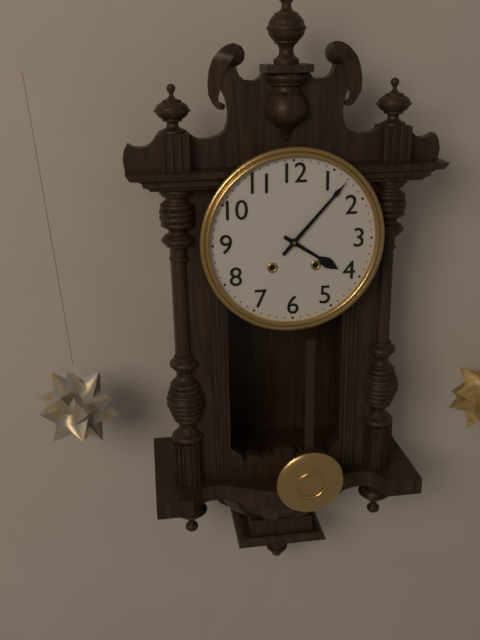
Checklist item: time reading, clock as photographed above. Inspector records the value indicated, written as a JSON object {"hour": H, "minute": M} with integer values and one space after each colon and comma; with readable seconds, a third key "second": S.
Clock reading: {"hour": 4, "minute": 7}
